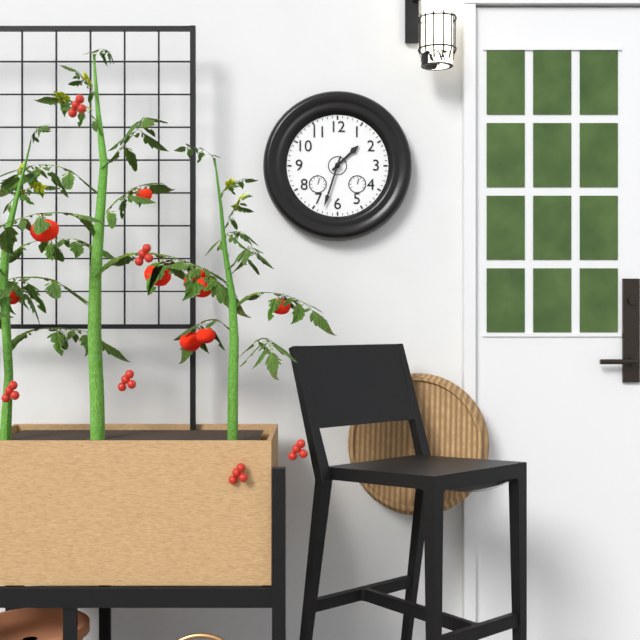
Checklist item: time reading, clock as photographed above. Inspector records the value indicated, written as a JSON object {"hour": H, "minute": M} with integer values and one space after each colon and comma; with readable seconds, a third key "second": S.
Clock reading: {"hour": 1, "minute": 33}
